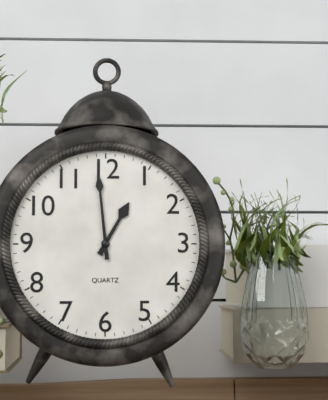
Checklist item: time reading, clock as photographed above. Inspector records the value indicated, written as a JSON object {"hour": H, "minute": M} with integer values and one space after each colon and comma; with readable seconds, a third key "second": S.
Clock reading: {"hour": 12, "minute": 59}
